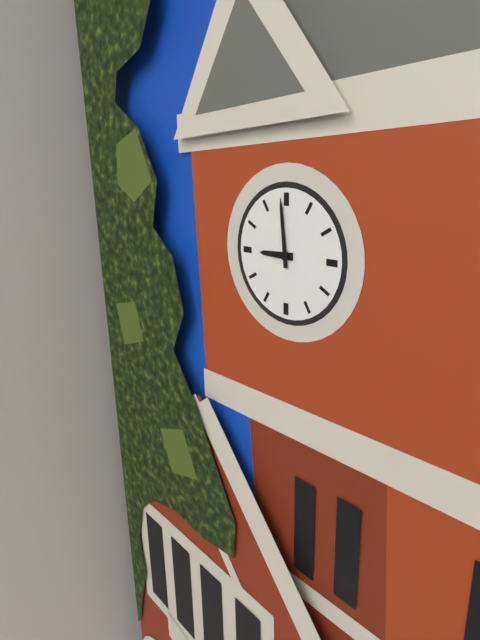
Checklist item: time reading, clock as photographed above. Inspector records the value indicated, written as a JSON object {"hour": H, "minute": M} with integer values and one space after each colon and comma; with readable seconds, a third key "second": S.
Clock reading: {"hour": 8, "minute": 59}
